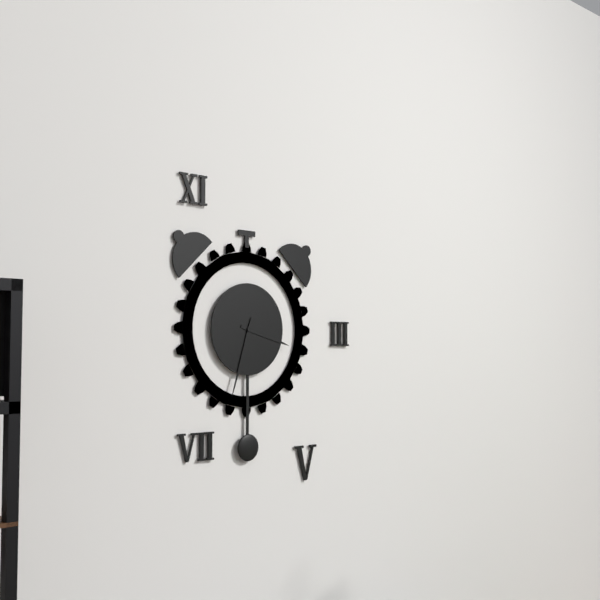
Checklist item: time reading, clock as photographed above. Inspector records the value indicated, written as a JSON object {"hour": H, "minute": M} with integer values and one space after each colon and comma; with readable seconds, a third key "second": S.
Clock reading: {"hour": 3, "minute": 33}
